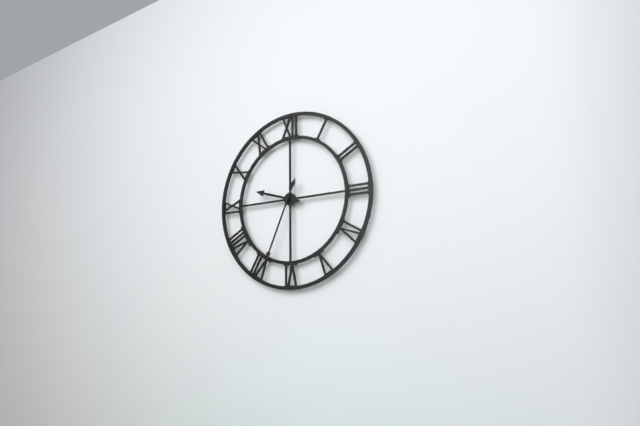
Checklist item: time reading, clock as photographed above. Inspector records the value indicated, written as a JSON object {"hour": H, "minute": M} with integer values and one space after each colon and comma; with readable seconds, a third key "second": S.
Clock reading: {"hour": 9, "minute": 34}
